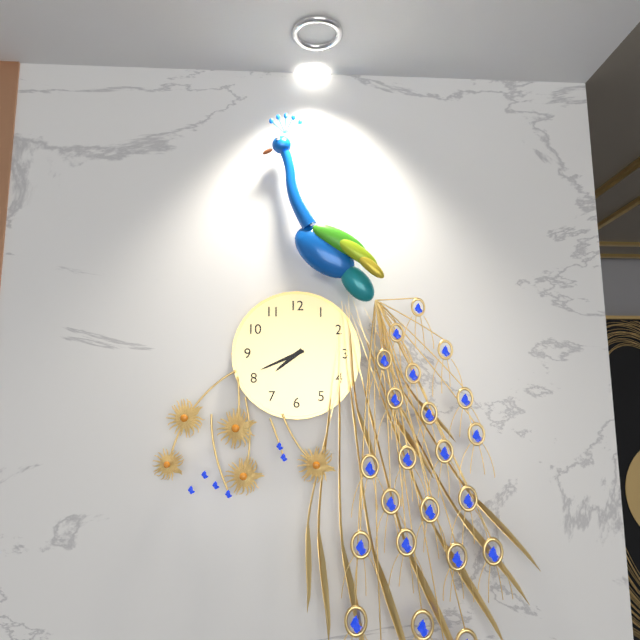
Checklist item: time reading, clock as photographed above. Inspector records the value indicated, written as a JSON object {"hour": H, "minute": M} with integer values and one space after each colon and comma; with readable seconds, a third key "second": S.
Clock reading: {"hour": 7, "minute": 41}
